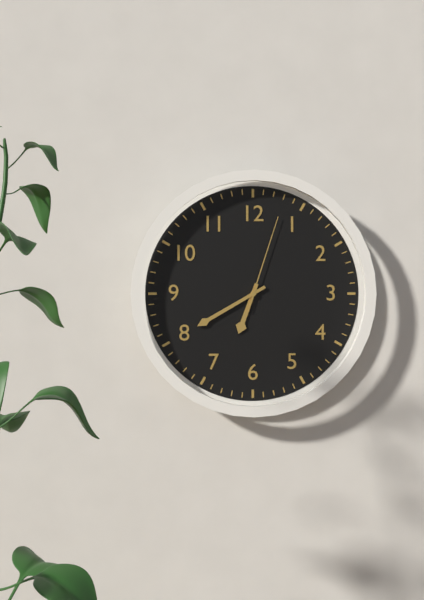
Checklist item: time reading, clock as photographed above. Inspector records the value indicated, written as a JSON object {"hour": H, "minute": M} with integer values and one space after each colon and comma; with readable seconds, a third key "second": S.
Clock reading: {"hour": 6, "minute": 40, "second": 3}
